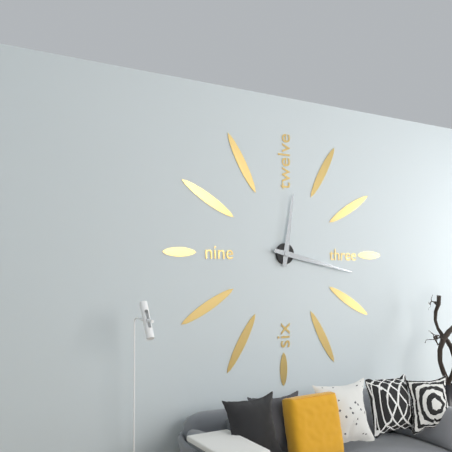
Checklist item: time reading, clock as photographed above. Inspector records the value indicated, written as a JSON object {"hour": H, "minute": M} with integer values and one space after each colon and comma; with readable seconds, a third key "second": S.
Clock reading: {"hour": 12, "minute": 17}
